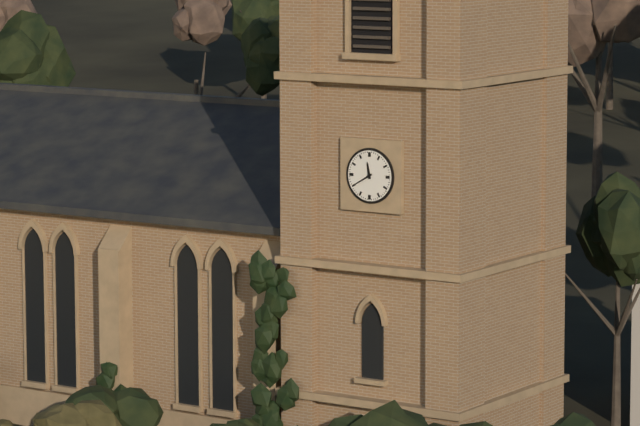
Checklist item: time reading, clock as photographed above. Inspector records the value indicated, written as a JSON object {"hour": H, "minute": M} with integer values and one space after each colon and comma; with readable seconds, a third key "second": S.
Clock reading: {"hour": 11, "minute": 40}
